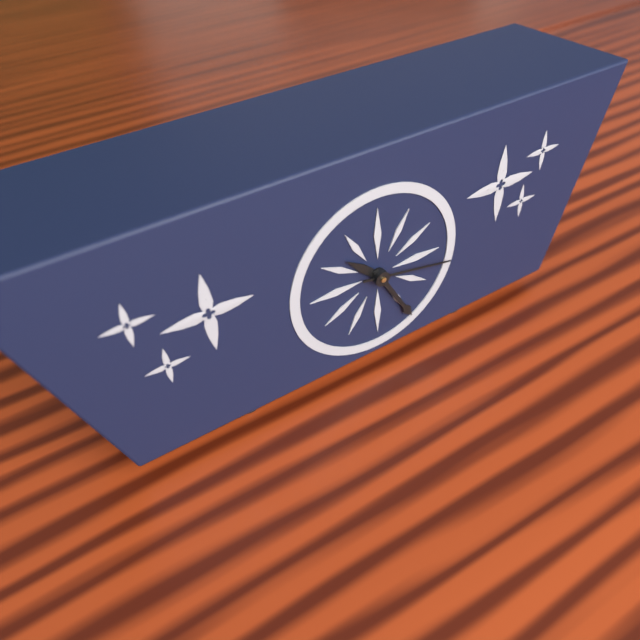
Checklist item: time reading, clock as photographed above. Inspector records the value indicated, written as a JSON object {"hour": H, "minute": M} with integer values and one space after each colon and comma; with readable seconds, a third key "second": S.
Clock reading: {"hour": 10, "minute": 25, "second": 17}
